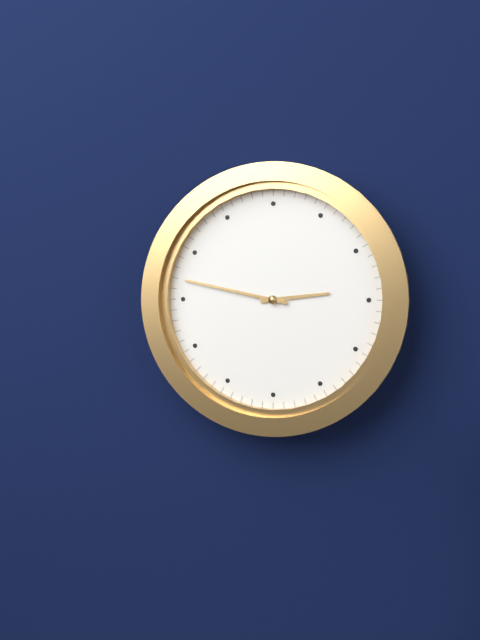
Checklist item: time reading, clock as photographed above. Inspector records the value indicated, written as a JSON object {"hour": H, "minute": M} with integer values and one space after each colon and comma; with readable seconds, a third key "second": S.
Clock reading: {"hour": 2, "minute": 47}
